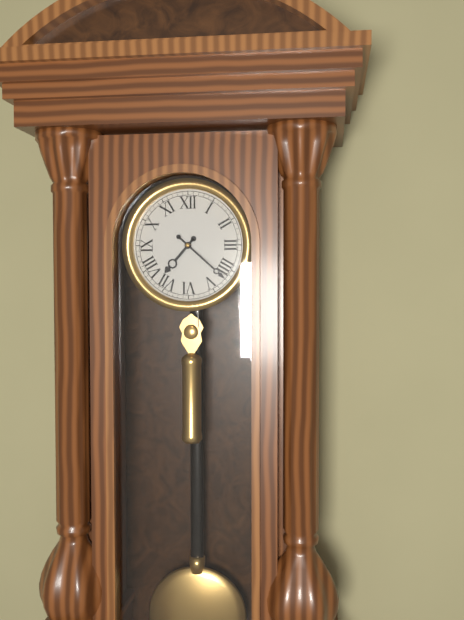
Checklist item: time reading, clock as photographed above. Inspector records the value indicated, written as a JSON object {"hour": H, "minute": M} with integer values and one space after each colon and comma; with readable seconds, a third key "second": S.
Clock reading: {"hour": 7, "minute": 22}
